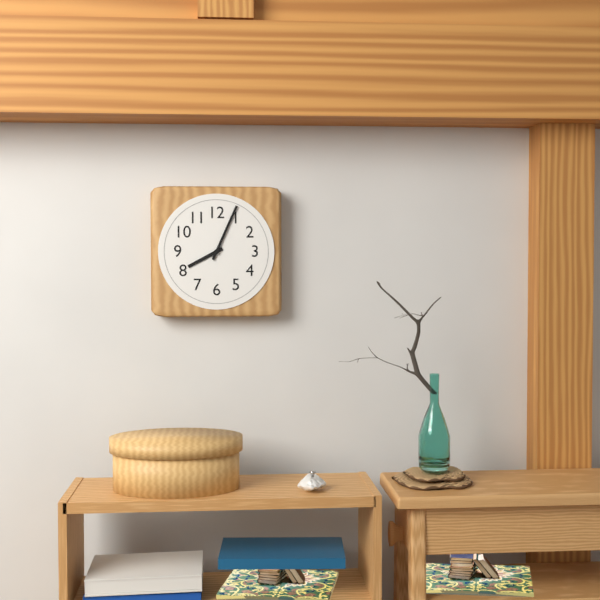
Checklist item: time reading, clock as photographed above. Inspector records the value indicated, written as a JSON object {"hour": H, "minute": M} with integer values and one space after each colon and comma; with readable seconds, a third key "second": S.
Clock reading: {"hour": 8, "minute": 4}
